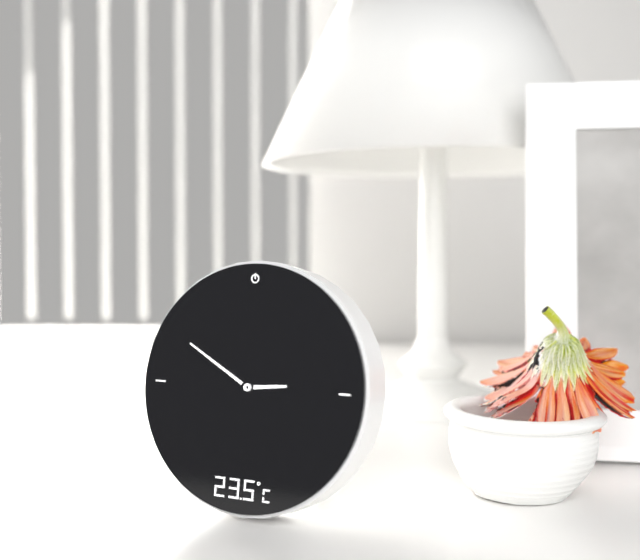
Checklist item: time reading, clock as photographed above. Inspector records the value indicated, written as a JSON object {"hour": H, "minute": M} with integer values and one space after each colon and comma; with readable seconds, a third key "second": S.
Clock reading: {"hour": 2, "minute": 50}
